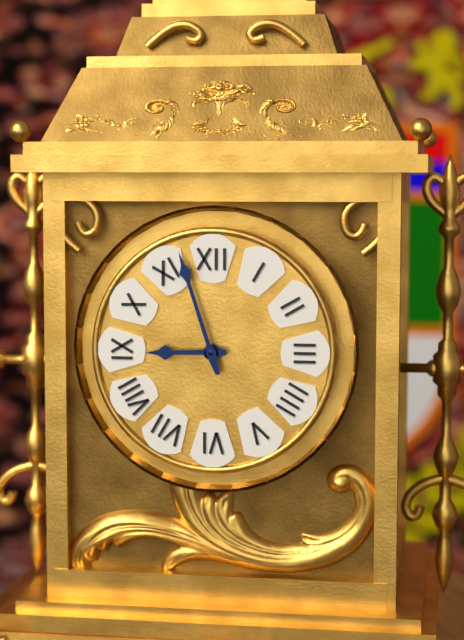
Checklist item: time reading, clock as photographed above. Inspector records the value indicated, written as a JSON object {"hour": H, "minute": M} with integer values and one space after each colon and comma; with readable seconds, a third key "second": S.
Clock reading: {"hour": 8, "minute": 57}
